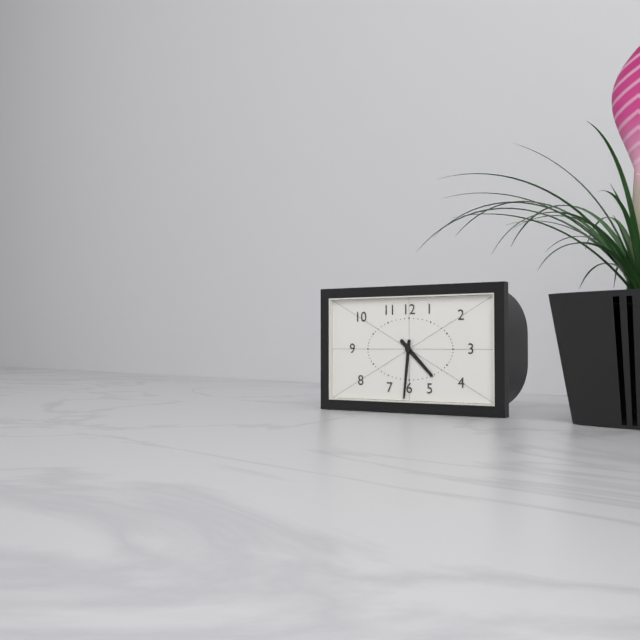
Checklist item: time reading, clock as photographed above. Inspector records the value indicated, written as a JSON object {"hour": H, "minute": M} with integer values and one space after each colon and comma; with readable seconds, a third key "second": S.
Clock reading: {"hour": 4, "minute": 31}
